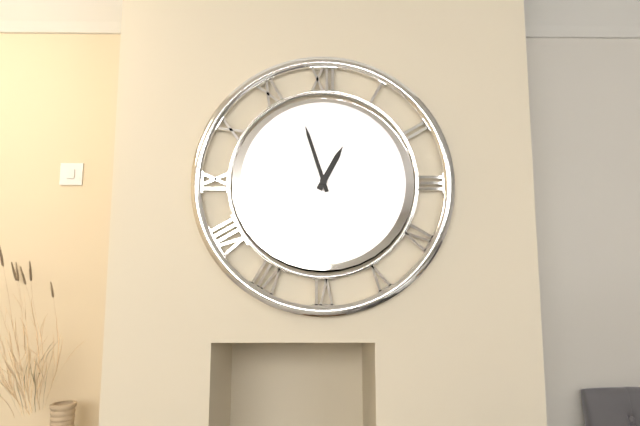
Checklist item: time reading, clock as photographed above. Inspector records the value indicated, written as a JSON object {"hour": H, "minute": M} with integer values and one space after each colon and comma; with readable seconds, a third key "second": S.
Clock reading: {"hour": 12, "minute": 57}
